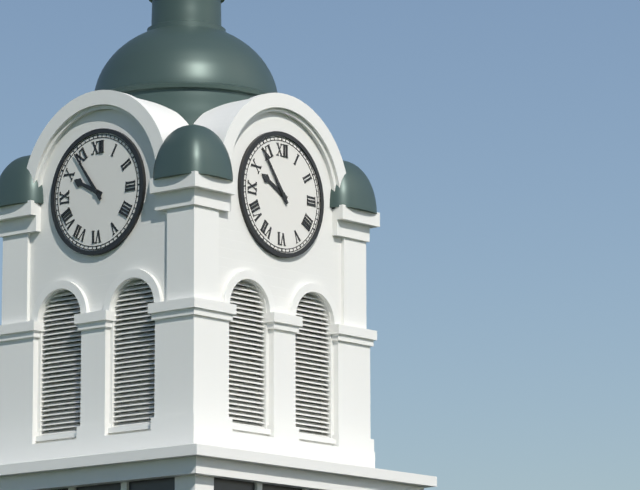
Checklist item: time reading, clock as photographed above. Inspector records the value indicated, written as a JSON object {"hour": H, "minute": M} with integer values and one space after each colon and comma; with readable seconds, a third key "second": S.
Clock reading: {"hour": 9, "minute": 54}
